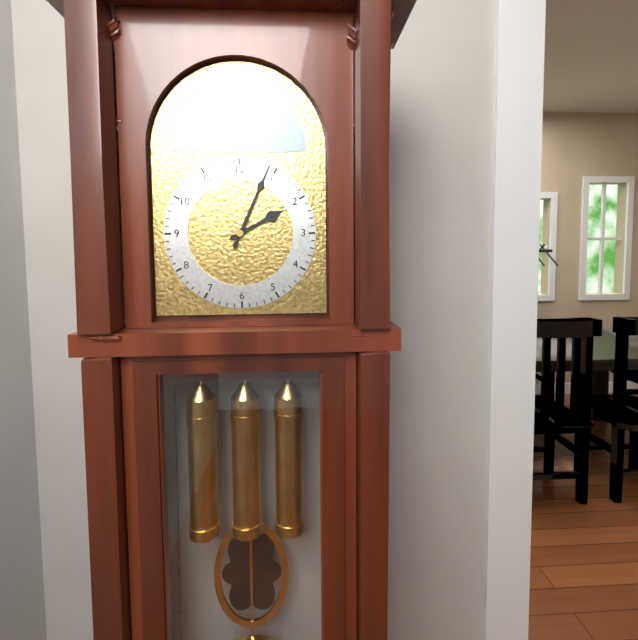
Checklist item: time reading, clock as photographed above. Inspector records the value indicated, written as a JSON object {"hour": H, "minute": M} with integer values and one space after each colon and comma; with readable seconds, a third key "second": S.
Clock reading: {"hour": 2, "minute": 4}
